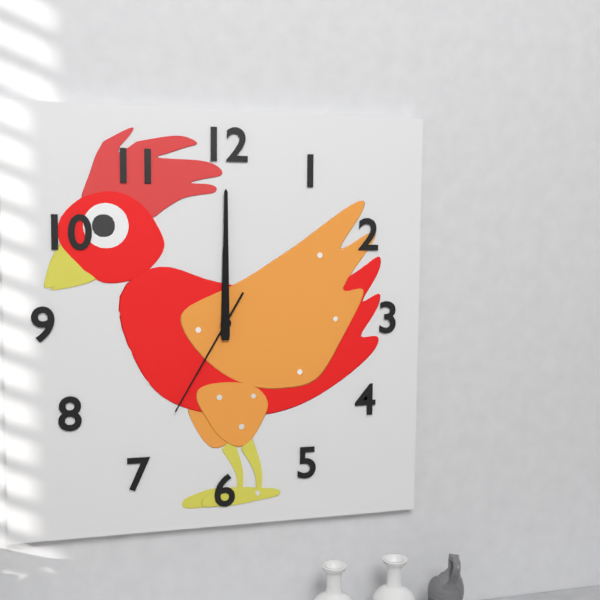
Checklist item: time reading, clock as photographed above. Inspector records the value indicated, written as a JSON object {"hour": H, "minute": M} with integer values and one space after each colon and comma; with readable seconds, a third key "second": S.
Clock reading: {"hour": 12, "minute": 0, "second": 35}
